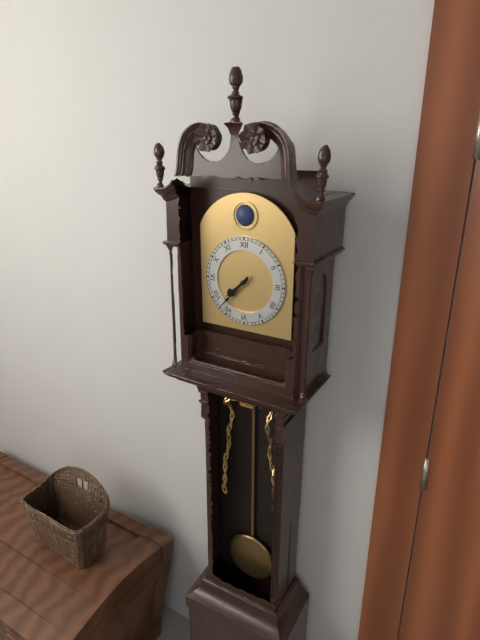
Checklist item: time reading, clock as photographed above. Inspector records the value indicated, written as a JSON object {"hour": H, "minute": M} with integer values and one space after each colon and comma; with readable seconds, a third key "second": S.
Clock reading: {"hour": 7, "minute": 37}
